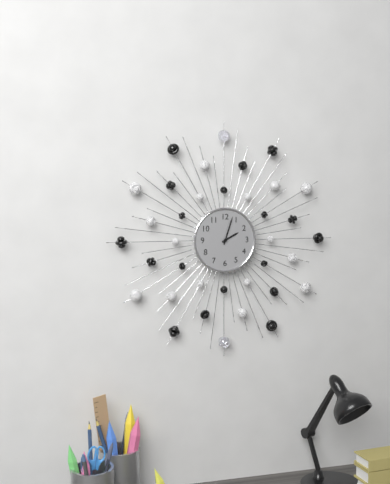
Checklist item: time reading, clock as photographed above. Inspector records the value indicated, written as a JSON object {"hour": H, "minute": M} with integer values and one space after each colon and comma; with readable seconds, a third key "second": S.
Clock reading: {"hour": 2, "minute": 3}
